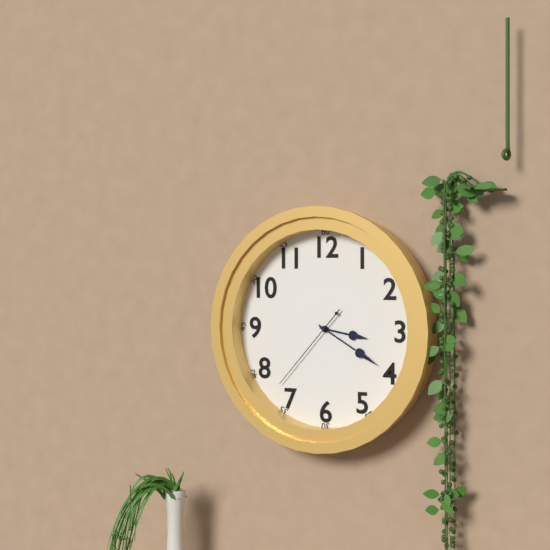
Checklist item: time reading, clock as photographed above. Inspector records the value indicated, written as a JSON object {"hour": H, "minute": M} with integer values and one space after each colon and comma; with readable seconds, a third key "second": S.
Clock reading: {"hour": 3, "minute": 20, "second": 37}
